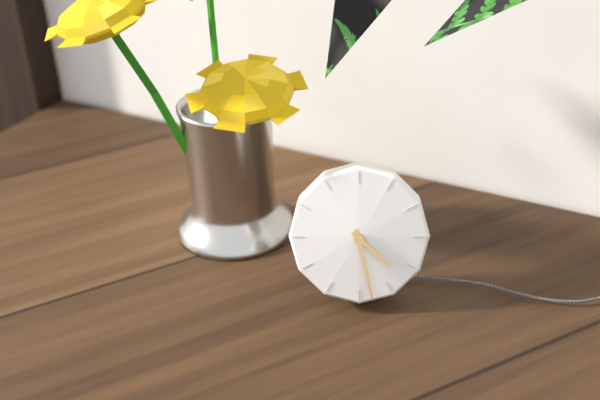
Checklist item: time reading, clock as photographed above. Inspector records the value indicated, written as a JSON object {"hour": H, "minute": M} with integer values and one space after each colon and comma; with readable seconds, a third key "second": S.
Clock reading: {"hour": 4, "minute": 28}
